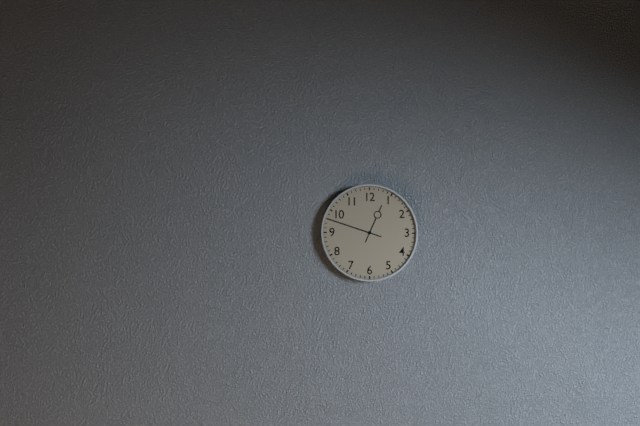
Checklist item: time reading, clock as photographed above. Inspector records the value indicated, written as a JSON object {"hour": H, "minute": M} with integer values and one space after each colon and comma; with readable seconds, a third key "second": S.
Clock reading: {"hour": 12, "minute": 48}
